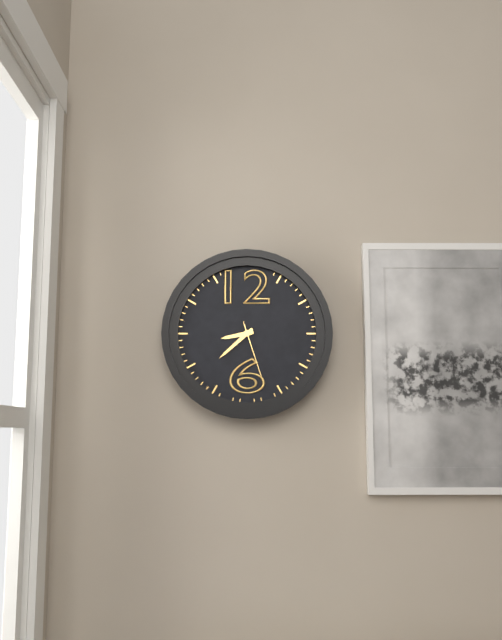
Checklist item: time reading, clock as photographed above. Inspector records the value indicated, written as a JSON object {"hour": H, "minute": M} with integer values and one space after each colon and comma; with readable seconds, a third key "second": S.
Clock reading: {"hour": 8, "minute": 38, "second": 27}
